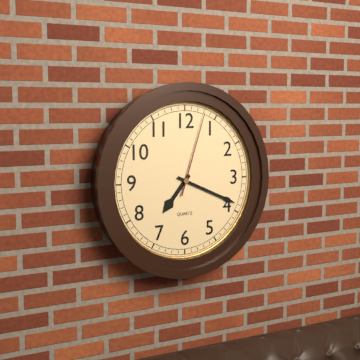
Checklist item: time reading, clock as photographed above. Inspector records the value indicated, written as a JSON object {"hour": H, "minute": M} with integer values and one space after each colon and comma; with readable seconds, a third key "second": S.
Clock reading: {"hour": 7, "minute": 19, "second": 3}
